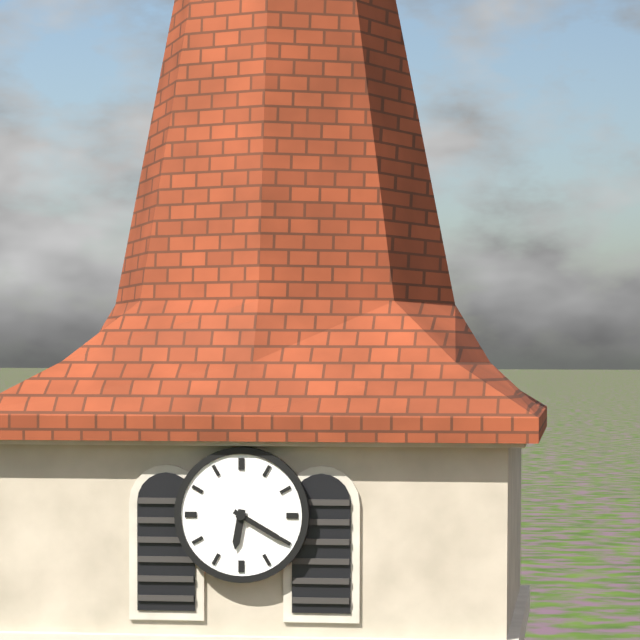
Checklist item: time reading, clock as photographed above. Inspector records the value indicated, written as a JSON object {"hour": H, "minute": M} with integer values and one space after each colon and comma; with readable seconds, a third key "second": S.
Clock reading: {"hour": 6, "minute": 20}
